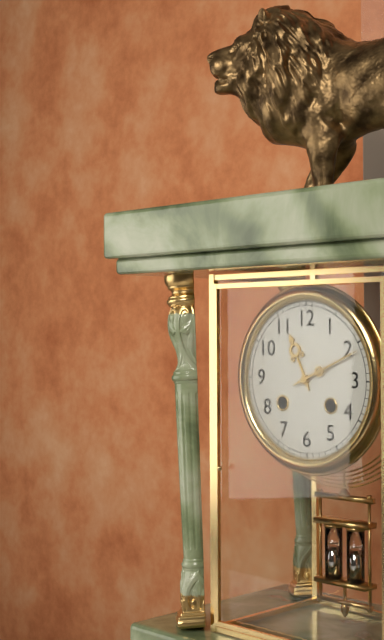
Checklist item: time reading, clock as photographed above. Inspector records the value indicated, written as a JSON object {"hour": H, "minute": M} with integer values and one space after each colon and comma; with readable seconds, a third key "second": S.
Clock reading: {"hour": 11, "minute": 11}
